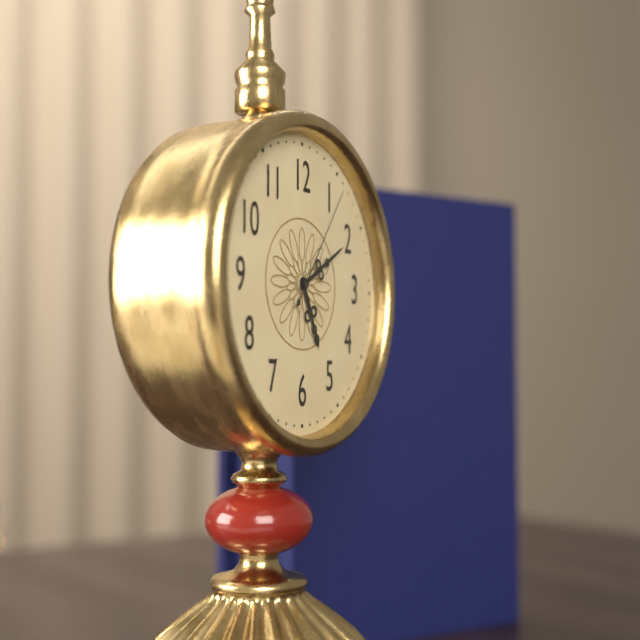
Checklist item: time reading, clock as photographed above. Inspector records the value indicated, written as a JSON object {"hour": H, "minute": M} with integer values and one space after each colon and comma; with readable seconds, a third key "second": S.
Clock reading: {"hour": 5, "minute": 10, "second": 6}
